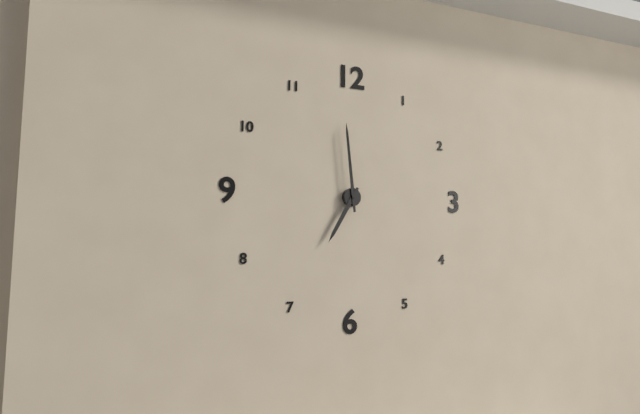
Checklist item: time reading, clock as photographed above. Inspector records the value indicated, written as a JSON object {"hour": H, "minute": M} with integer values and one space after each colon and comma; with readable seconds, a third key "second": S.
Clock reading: {"hour": 6, "minute": 59}
